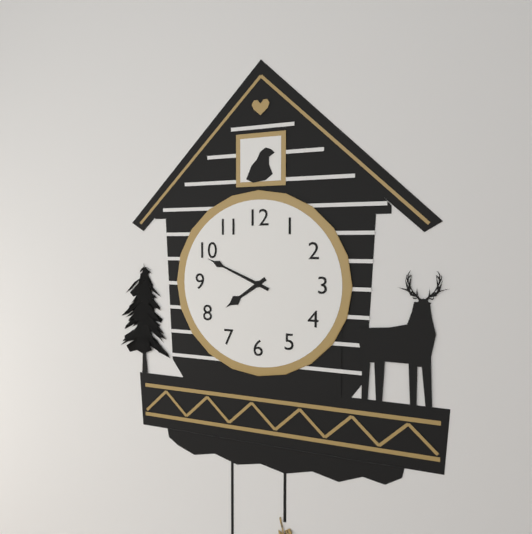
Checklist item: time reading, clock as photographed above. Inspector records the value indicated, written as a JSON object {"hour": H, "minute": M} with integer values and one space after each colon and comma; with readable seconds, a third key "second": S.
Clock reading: {"hour": 7, "minute": 49}
